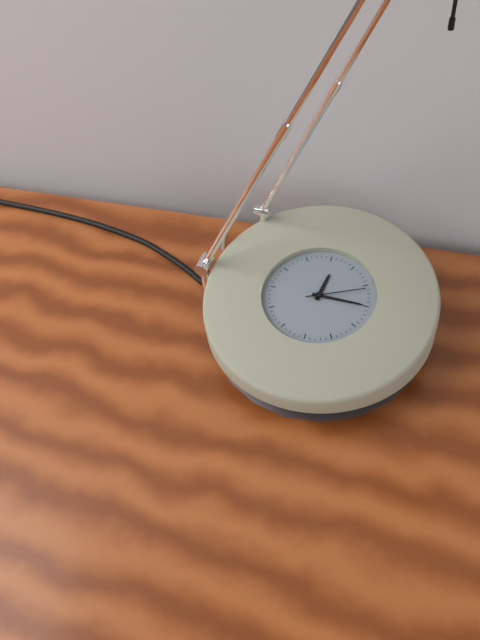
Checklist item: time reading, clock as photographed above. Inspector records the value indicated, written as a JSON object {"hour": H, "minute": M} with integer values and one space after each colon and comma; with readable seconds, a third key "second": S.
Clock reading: {"hour": 12, "minute": 15, "second": 11}
